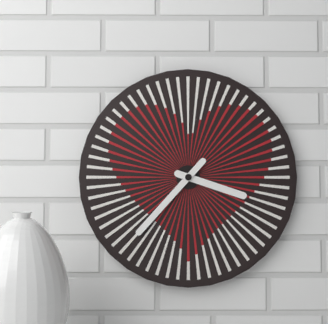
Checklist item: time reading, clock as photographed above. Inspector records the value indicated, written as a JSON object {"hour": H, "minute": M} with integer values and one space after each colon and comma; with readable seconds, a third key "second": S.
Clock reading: {"hour": 3, "minute": 37}
